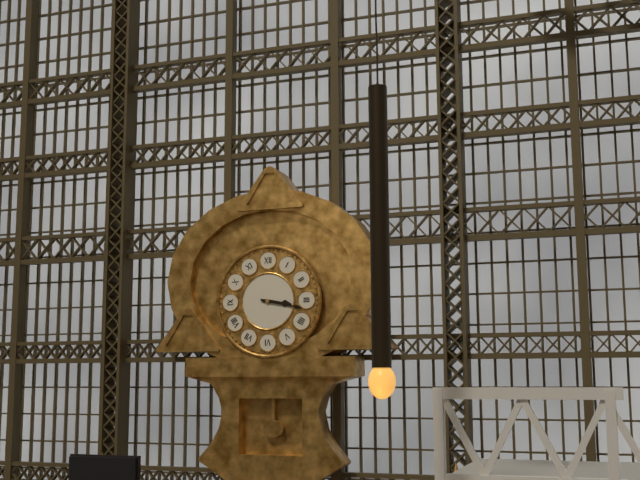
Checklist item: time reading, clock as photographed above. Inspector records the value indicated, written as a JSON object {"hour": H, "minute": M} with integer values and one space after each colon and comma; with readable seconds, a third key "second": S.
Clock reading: {"hour": 3, "minute": 17}
